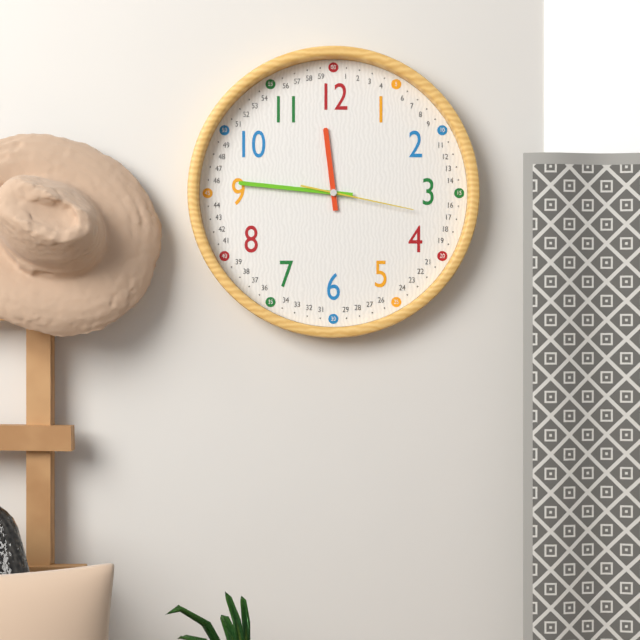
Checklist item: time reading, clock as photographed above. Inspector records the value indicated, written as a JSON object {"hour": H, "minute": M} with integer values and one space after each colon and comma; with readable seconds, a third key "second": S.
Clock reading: {"hour": 11, "minute": 46, "second": 17}
